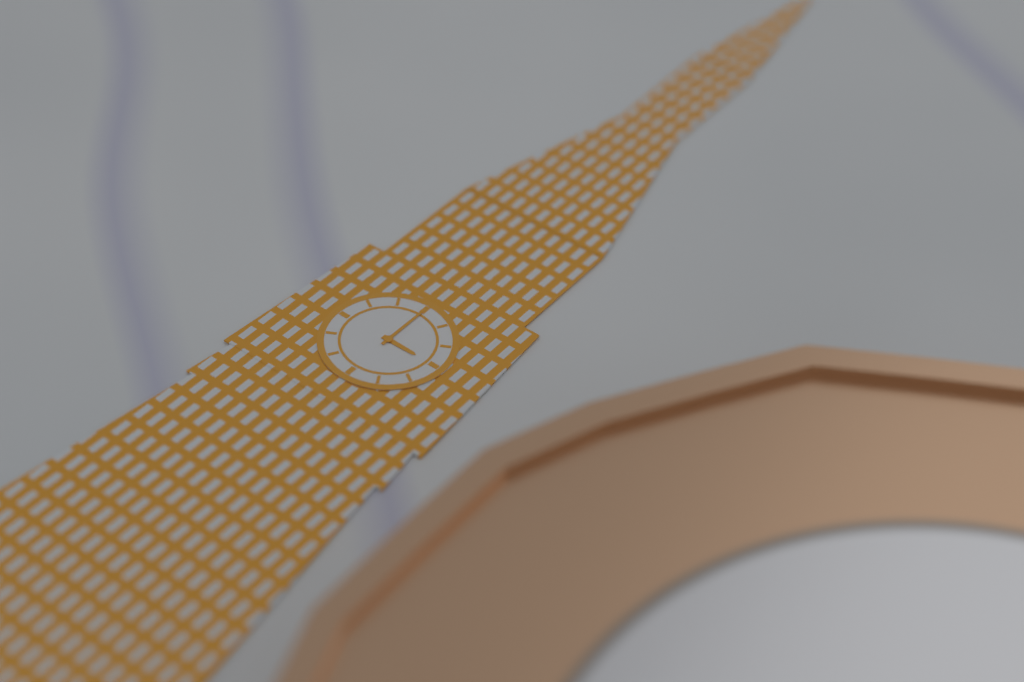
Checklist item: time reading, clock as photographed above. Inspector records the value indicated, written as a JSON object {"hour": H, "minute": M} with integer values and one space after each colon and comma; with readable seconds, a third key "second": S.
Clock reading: {"hour": 3, "minute": 0}
